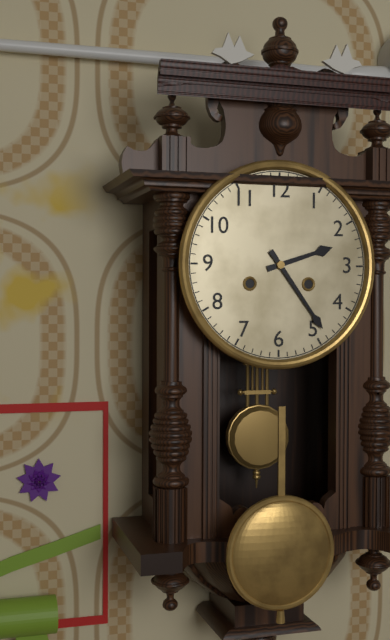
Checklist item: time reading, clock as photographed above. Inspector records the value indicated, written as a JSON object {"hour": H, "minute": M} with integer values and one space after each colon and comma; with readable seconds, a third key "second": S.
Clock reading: {"hour": 2, "minute": 24}
